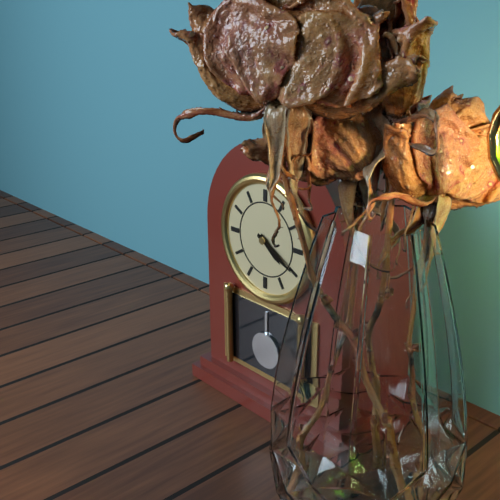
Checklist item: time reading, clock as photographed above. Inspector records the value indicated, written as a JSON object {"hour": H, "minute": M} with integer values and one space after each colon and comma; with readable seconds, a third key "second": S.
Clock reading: {"hour": 4, "minute": 20}
